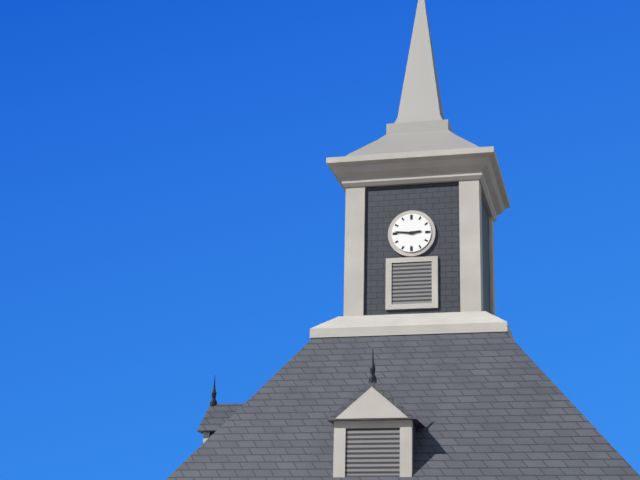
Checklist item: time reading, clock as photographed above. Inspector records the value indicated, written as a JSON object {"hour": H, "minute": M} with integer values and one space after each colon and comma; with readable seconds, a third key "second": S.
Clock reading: {"hour": 2, "minute": 46}
